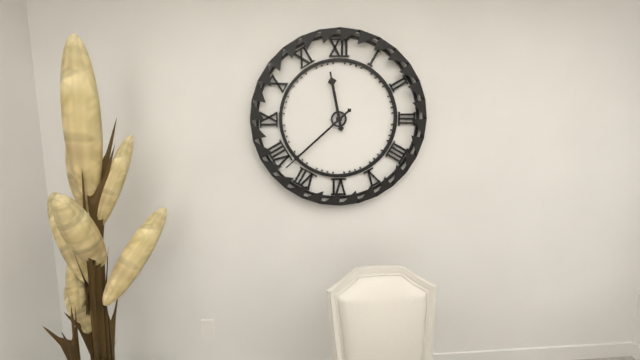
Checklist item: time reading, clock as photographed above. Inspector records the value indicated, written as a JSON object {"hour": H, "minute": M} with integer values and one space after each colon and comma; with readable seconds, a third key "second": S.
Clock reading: {"hour": 11, "minute": 38}
